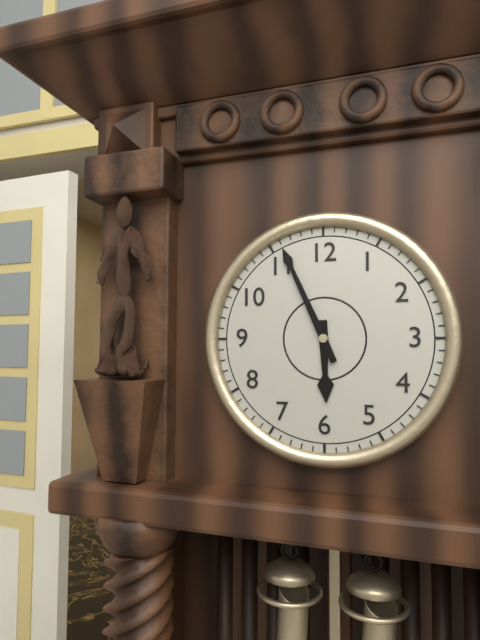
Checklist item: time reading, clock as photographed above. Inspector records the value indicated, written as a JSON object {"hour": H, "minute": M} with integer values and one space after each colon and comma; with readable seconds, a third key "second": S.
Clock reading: {"hour": 5, "minute": 56}
